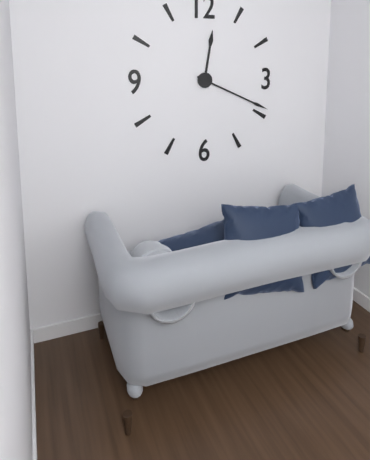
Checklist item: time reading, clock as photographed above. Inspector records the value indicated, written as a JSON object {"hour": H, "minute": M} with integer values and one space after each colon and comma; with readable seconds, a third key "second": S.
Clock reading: {"hour": 12, "minute": 19}
